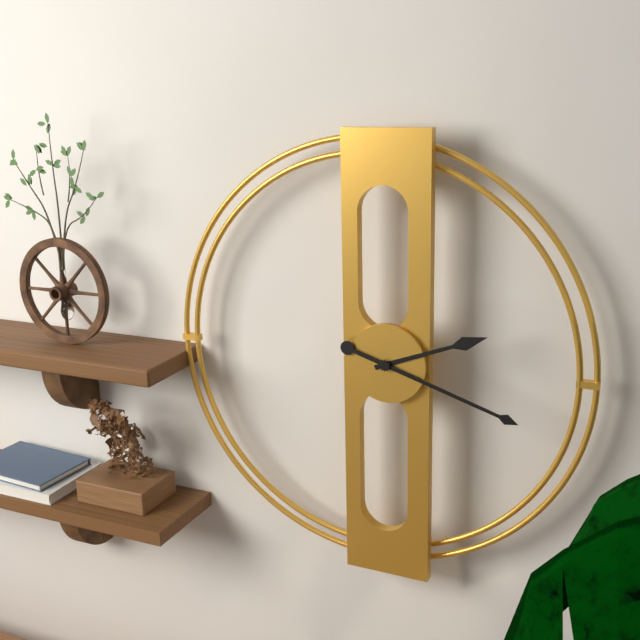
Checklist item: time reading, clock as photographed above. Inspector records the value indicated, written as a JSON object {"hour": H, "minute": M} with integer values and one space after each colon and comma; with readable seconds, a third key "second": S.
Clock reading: {"hour": 2, "minute": 18}
